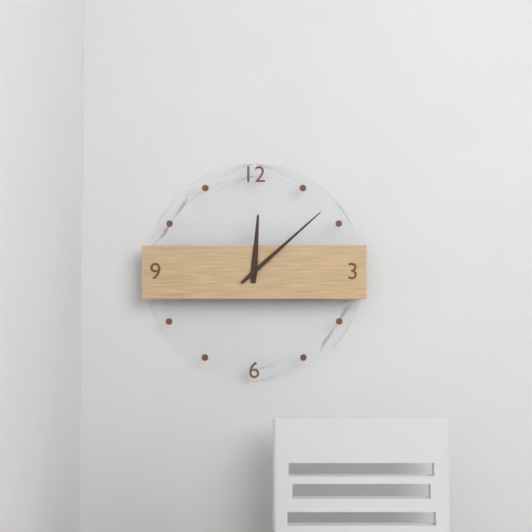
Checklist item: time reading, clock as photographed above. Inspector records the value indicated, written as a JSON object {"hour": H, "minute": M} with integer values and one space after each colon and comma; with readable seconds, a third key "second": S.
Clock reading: {"hour": 12, "minute": 8}
